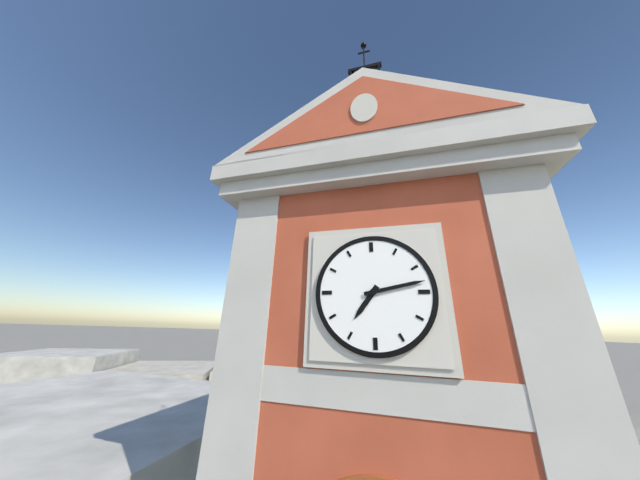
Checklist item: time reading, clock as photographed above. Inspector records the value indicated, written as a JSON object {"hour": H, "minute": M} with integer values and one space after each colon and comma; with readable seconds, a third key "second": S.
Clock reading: {"hour": 7, "minute": 13}
